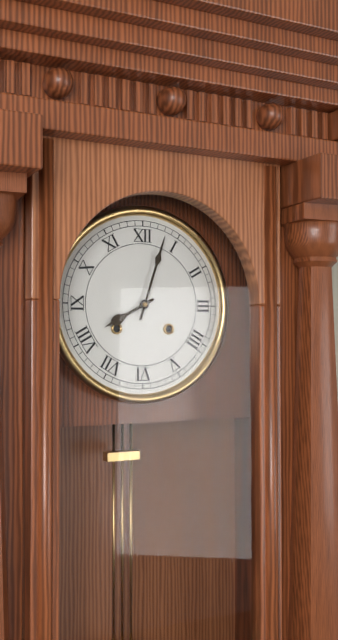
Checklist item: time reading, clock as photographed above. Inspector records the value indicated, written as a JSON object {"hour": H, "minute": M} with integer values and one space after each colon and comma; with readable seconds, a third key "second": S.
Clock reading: {"hour": 8, "minute": 3}
